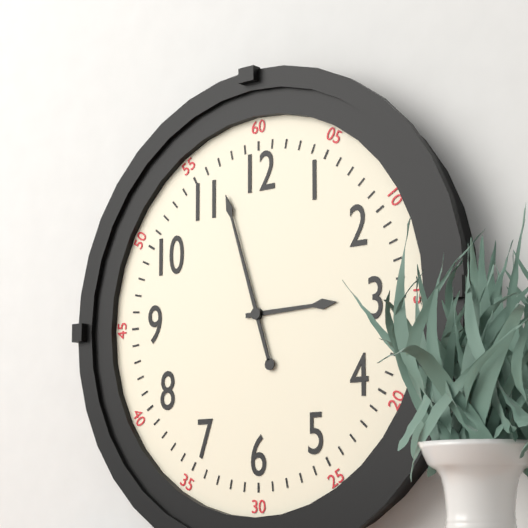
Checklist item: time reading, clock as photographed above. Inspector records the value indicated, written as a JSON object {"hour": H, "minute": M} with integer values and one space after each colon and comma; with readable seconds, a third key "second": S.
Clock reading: {"hour": 2, "minute": 57}
